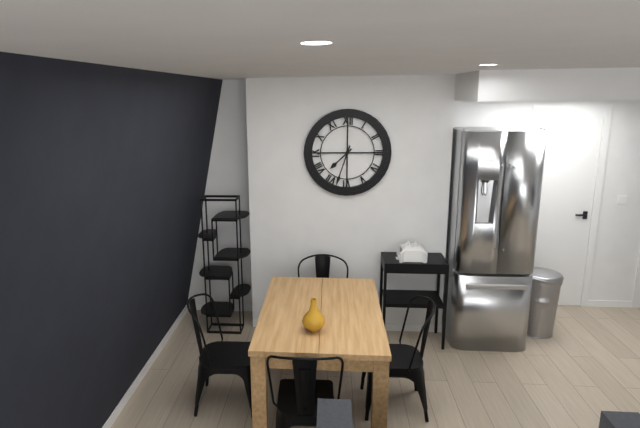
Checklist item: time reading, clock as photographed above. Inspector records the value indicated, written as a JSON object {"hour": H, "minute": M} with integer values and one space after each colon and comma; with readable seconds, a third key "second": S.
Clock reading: {"hour": 7, "minute": 33}
